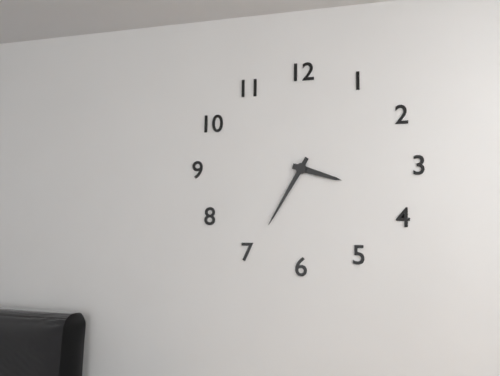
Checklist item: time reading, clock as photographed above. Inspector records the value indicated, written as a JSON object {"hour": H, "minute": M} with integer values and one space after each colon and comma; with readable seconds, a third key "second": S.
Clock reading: {"hour": 3, "minute": 35}
